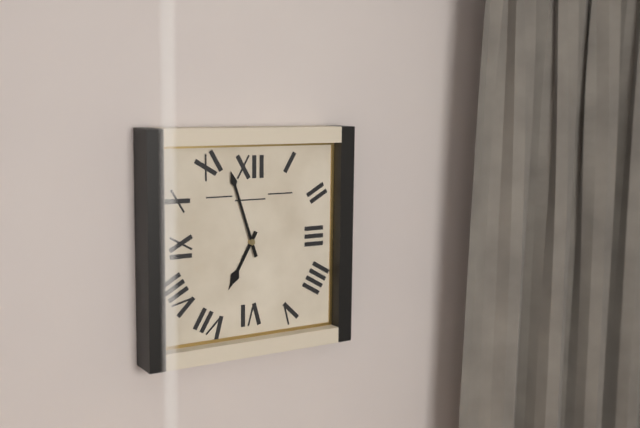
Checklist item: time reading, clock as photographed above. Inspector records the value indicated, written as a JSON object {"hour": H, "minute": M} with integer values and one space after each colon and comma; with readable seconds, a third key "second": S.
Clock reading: {"hour": 6, "minute": 57}
